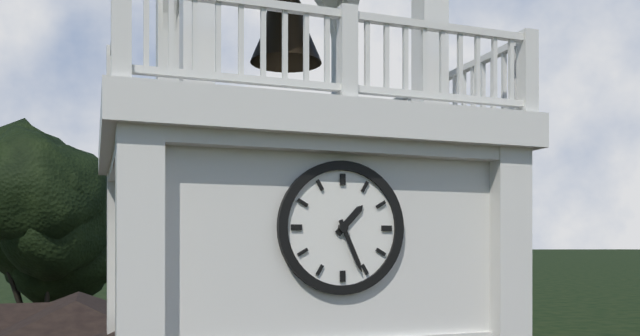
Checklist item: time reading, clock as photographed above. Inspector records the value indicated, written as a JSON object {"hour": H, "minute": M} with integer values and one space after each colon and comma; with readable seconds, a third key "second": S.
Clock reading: {"hour": 1, "minute": 26}
